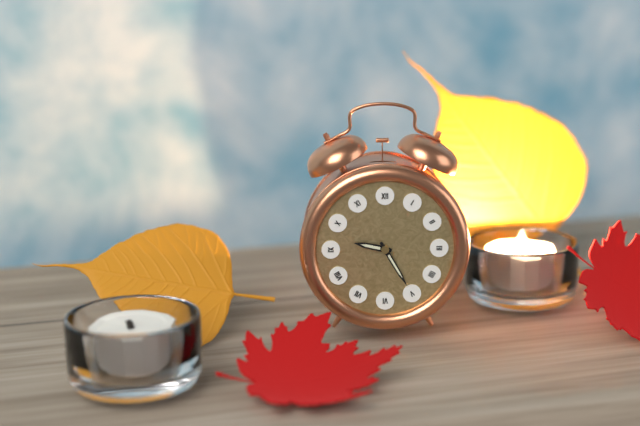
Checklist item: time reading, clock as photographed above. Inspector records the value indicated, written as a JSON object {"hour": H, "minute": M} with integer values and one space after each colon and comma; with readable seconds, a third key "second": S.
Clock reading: {"hour": 9, "minute": 25}
